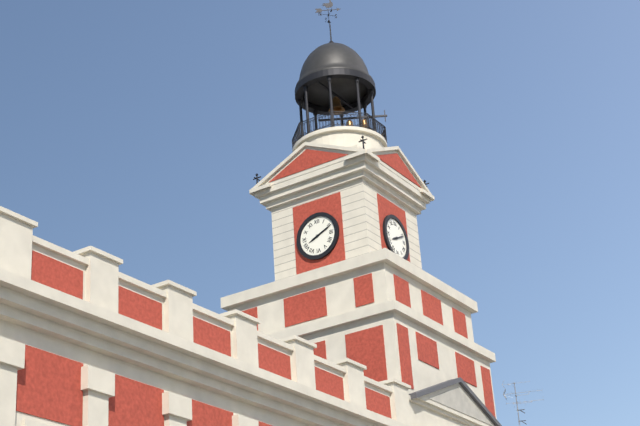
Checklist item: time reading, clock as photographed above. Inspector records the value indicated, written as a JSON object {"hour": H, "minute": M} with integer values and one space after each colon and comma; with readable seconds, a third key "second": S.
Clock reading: {"hour": 8, "minute": 11}
